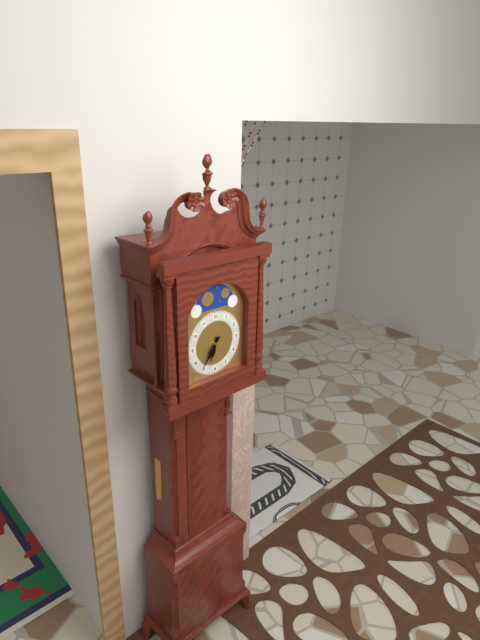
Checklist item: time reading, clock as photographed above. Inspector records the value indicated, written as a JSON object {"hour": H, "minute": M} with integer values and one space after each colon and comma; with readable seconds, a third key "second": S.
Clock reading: {"hour": 6, "minute": 36}
